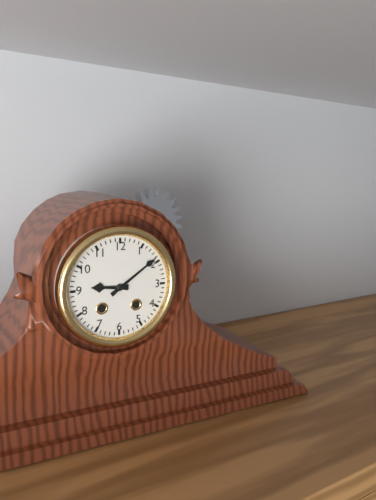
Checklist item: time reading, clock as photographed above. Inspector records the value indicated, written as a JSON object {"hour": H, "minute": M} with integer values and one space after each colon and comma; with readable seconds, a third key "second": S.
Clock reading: {"hour": 9, "minute": 9}
